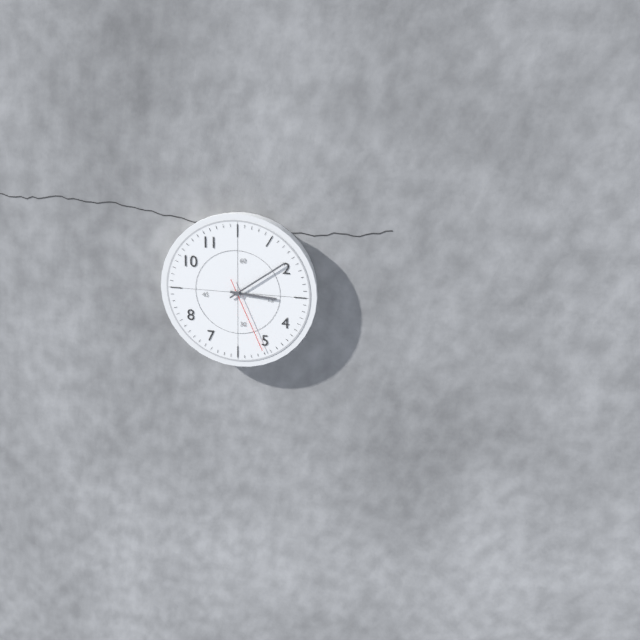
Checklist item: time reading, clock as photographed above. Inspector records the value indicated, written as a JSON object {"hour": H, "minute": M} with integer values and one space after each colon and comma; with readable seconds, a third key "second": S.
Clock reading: {"hour": 3, "minute": 9, "second": 26}
